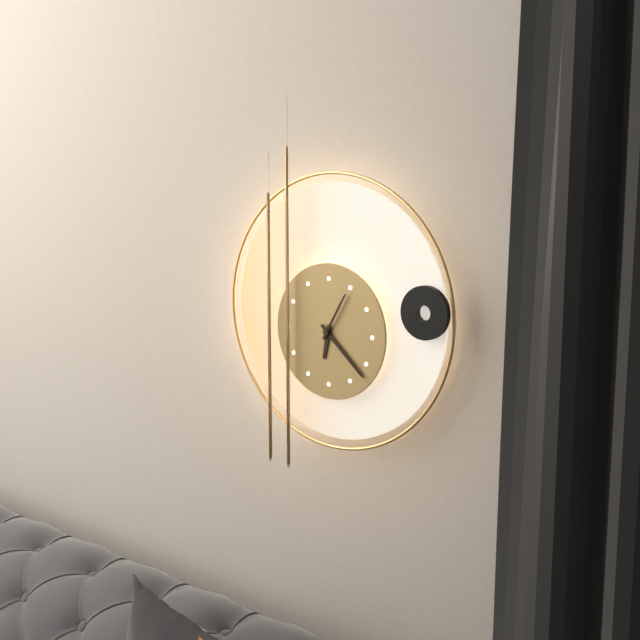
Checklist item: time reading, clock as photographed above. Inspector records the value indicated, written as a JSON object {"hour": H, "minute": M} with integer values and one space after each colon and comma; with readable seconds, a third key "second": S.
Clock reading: {"hour": 6, "minute": 22, "second": 5}
